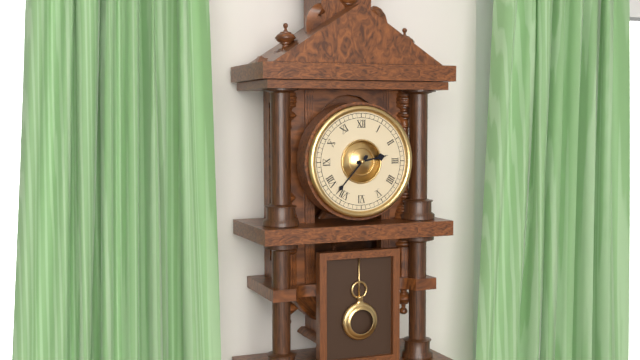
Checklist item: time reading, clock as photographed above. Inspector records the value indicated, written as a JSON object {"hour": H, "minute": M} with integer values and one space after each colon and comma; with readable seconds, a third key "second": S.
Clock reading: {"hour": 2, "minute": 37}
